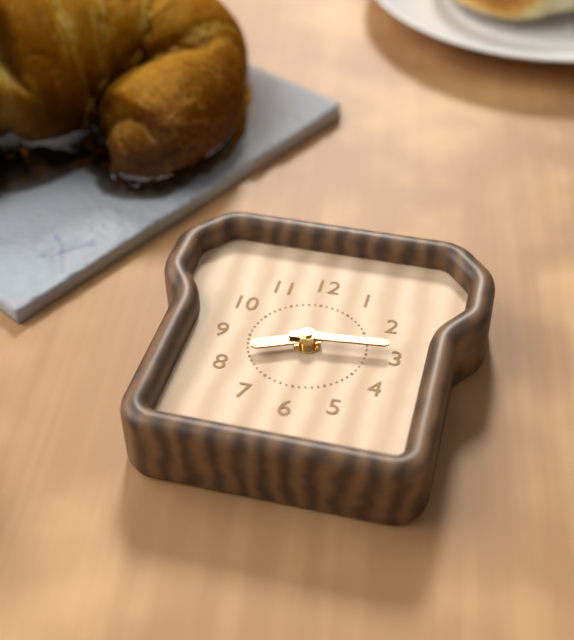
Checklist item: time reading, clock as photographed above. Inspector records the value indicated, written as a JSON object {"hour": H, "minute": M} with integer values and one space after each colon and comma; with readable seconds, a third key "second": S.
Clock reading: {"hour": 8, "minute": 14}
